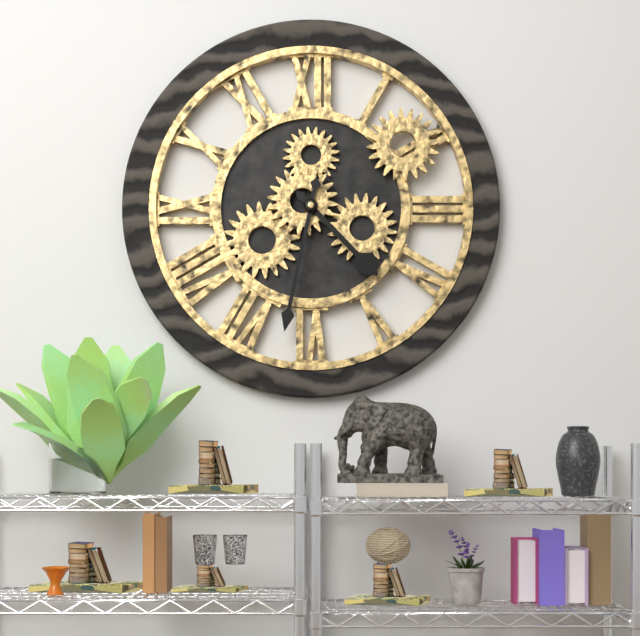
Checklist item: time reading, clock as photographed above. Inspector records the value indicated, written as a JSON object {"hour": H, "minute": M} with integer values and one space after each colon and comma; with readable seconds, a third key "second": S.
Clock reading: {"hour": 4, "minute": 32}
